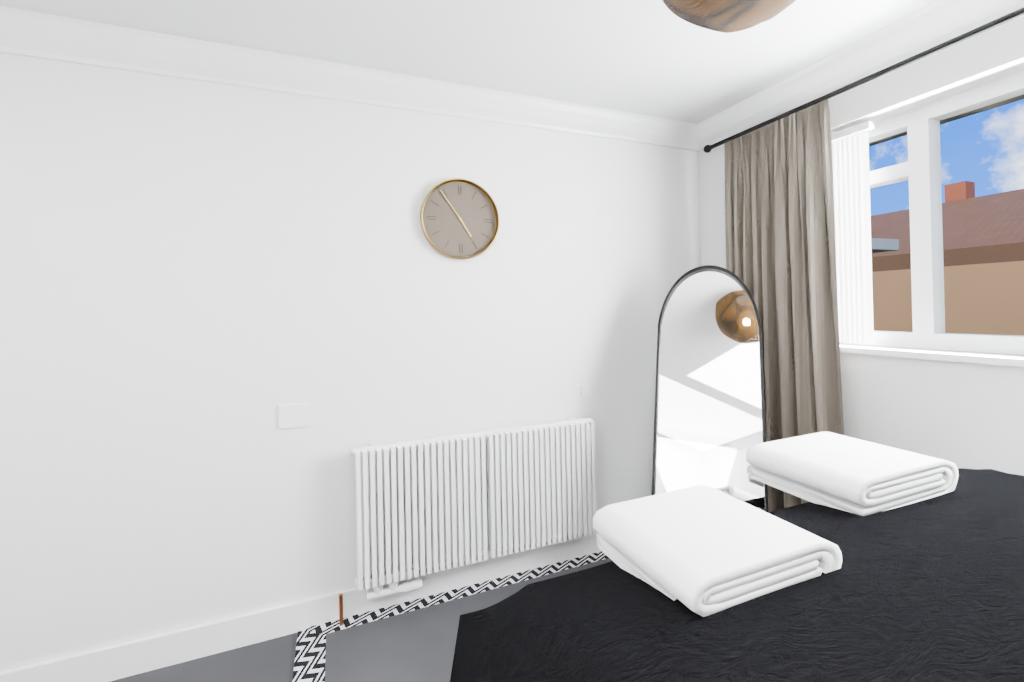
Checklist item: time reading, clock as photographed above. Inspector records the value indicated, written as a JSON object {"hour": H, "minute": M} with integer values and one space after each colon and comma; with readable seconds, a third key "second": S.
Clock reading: {"hour": 4, "minute": 54}
